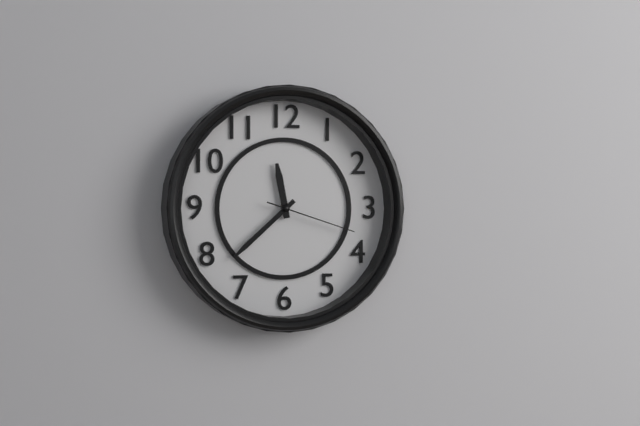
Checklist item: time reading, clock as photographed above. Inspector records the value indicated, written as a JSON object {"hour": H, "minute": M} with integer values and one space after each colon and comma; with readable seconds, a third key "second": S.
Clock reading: {"hour": 11, "minute": 38, "second": 18}
